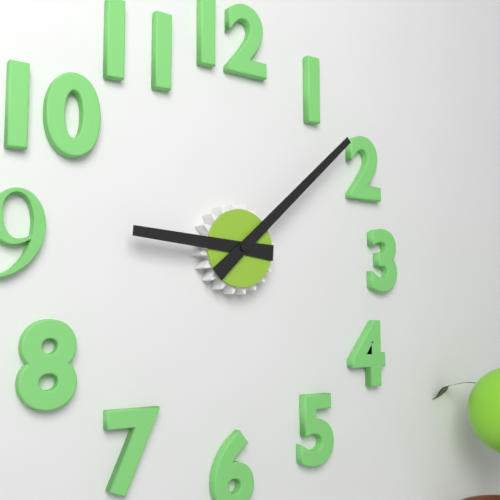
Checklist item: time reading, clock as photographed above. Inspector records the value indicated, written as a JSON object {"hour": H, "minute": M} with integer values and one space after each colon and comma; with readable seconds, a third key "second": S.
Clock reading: {"hour": 9, "minute": 8}
